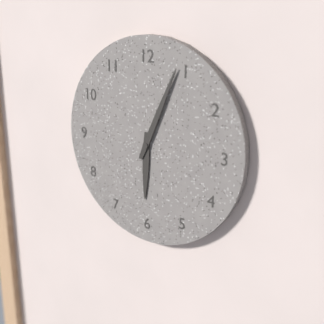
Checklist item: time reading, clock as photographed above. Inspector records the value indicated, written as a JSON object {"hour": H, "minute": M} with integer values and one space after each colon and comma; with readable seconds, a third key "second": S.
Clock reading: {"hour": 6, "minute": 4}
